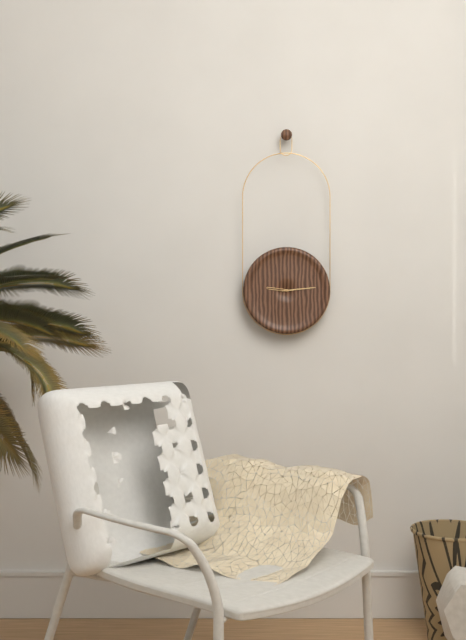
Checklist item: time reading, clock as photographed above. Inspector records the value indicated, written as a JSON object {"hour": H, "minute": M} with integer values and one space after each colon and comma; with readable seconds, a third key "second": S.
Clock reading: {"hour": 9, "minute": 14}
